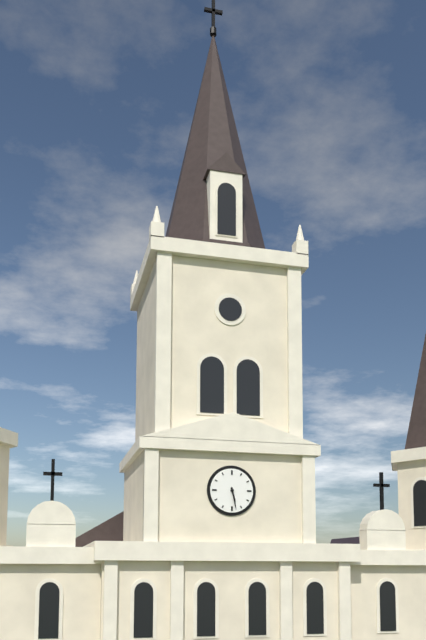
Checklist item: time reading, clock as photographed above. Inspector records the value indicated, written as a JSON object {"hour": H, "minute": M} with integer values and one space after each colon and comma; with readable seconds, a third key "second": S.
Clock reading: {"hour": 5, "minute": 28}
